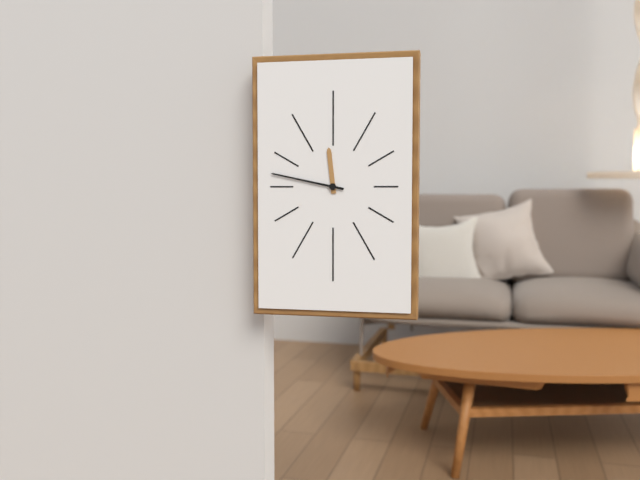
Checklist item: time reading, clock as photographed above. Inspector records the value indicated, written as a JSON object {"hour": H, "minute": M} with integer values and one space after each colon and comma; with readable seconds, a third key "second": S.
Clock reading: {"hour": 11, "minute": 47}
